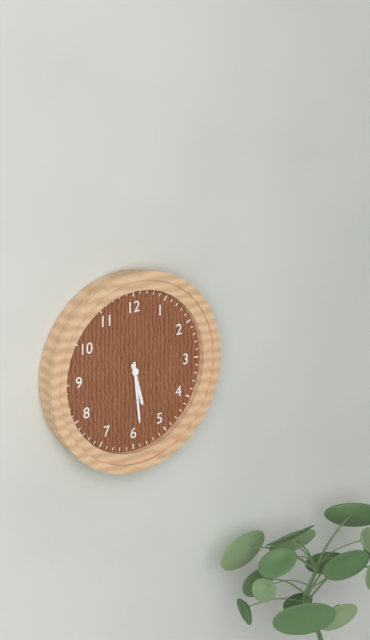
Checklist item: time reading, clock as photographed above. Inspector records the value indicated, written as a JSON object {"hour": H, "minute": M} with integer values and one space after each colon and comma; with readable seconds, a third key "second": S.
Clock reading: {"hour": 5, "minute": 29}
